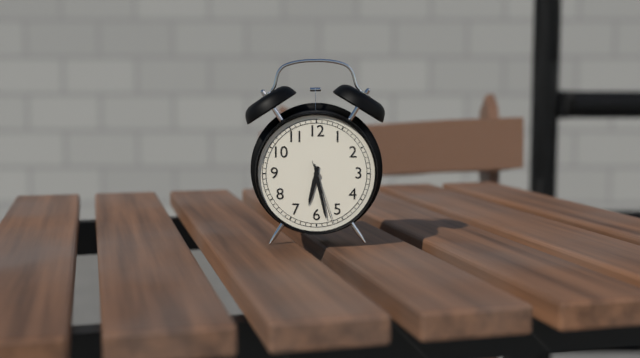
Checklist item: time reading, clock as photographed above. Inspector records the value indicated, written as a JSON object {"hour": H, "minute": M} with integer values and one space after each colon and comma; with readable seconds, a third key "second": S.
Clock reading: {"hour": 6, "minute": 28, "second": 27}
